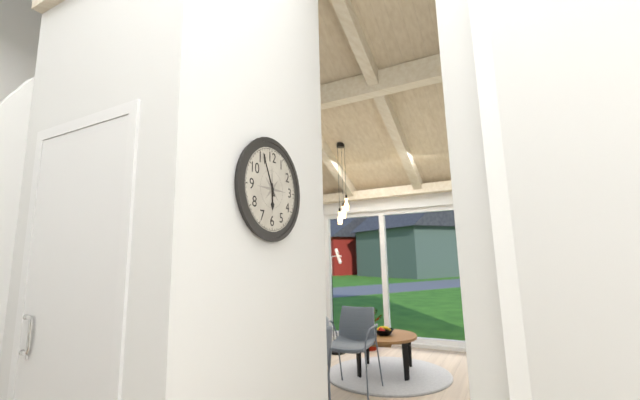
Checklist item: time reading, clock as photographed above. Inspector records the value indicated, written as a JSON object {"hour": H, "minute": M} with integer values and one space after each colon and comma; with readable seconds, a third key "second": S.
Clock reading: {"hour": 5, "minute": 56}
